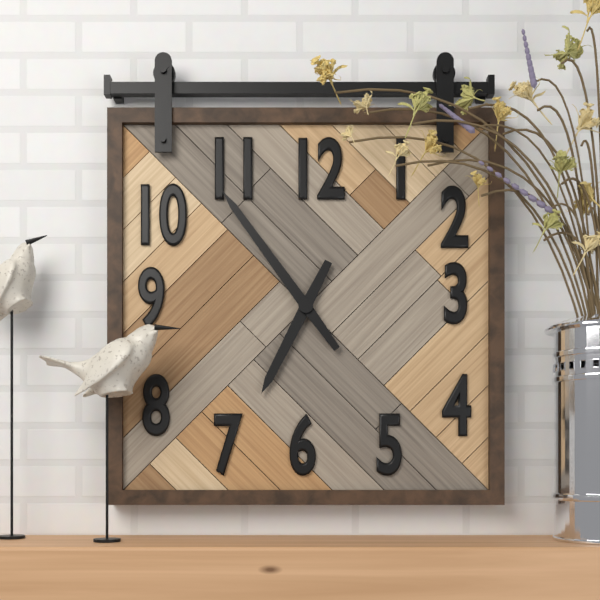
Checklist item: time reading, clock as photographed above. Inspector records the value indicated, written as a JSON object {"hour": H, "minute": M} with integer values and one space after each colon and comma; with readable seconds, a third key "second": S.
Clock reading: {"hour": 6, "minute": 54}
